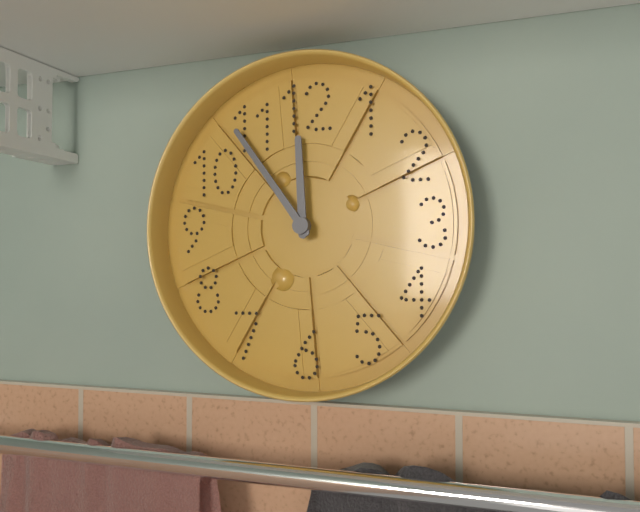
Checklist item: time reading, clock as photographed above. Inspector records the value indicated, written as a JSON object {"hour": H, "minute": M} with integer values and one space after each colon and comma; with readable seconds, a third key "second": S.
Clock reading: {"hour": 11, "minute": 54}
